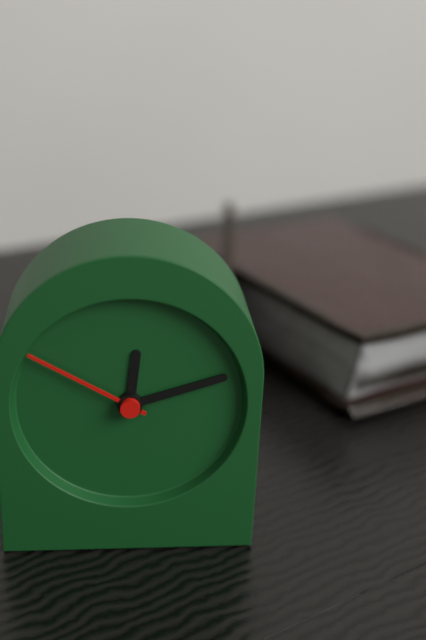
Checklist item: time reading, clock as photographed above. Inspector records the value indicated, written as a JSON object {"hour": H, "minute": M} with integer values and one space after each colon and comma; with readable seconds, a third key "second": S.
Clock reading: {"hour": 12, "minute": 12, "second": 50}
